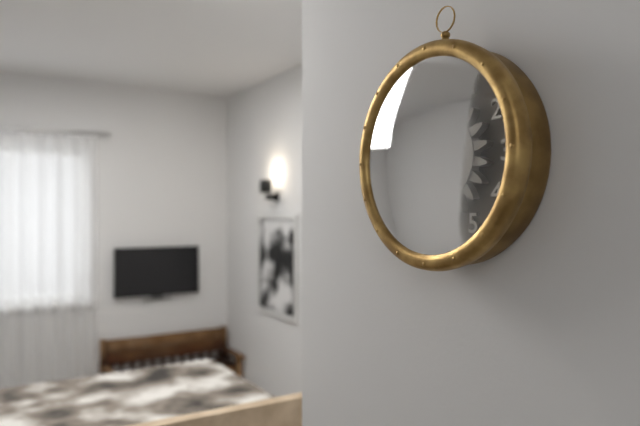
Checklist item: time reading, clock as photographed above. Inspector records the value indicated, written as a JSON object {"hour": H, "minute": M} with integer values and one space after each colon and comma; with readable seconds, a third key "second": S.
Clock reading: {"hour": 10, "minute": 3}
